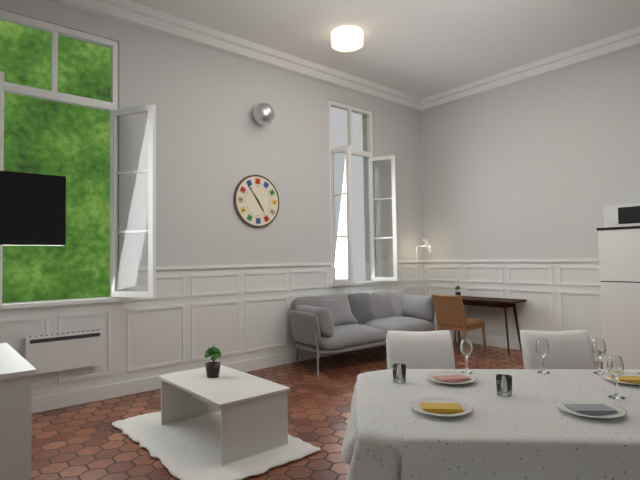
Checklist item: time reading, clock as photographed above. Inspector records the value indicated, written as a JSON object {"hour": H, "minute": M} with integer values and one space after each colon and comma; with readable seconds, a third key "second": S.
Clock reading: {"hour": 4, "minute": 54}
